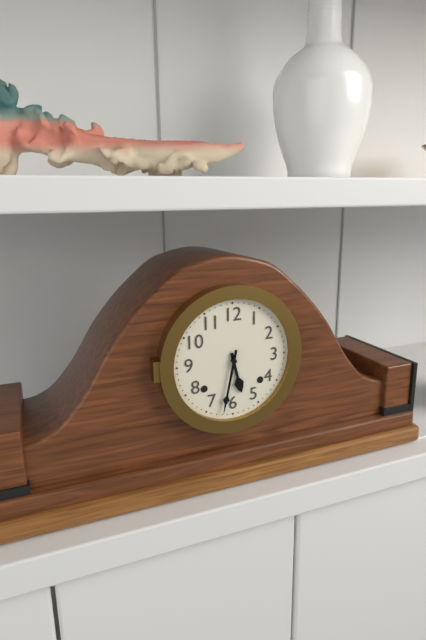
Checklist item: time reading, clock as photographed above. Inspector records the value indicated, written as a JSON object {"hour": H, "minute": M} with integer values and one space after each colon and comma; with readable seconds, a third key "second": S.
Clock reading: {"hour": 5, "minute": 32}
